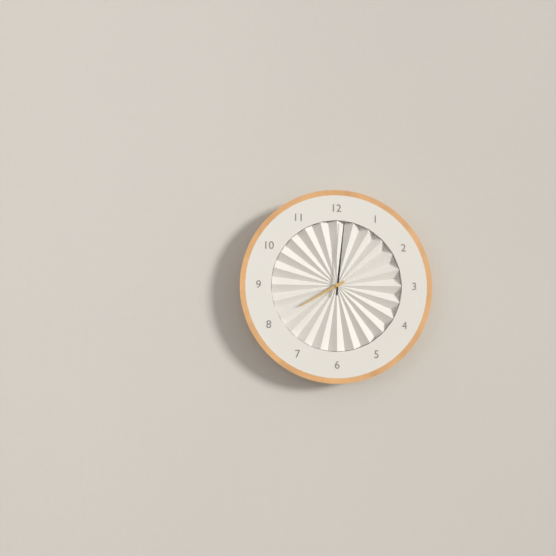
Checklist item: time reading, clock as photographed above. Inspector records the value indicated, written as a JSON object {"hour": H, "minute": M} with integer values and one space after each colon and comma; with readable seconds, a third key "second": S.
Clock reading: {"hour": 8, "minute": 1}
